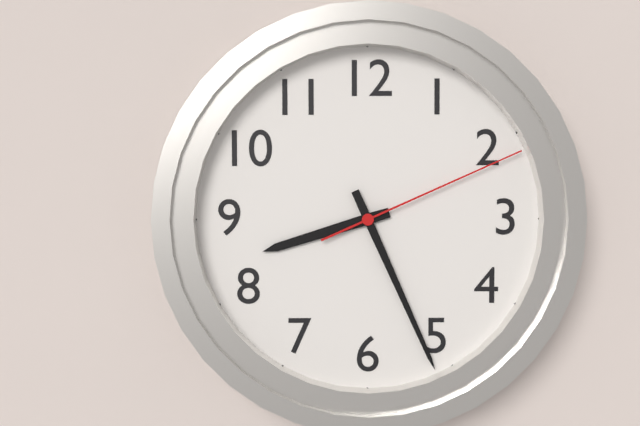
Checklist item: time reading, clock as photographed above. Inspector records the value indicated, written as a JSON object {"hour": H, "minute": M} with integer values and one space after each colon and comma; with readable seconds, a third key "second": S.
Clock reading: {"hour": 8, "minute": 26, "second": 11}
